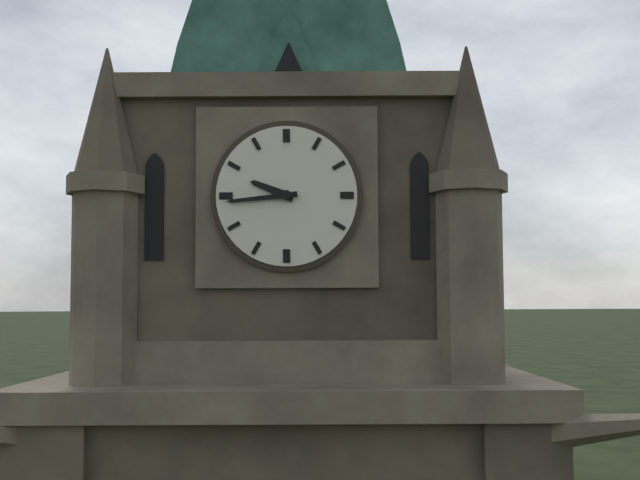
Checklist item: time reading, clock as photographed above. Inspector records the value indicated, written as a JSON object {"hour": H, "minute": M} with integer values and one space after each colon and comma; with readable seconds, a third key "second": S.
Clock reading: {"hour": 9, "minute": 44}
